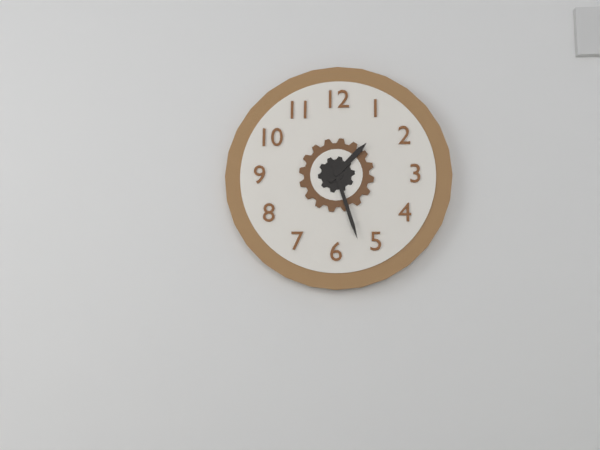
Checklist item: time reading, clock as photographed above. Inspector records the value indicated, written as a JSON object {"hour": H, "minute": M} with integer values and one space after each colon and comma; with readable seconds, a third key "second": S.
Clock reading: {"hour": 1, "minute": 27}
